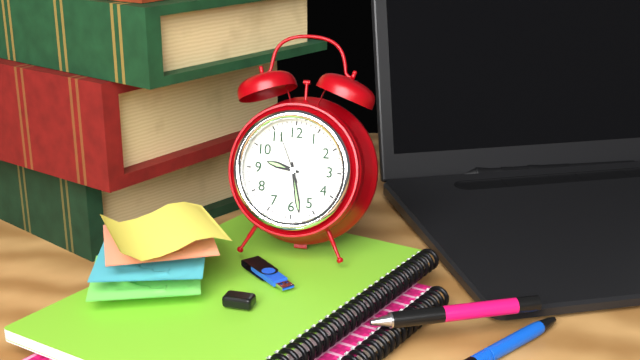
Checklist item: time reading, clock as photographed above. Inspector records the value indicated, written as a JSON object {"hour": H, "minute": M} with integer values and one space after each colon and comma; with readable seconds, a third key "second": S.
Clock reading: {"hour": 9, "minute": 28, "second": 56}
